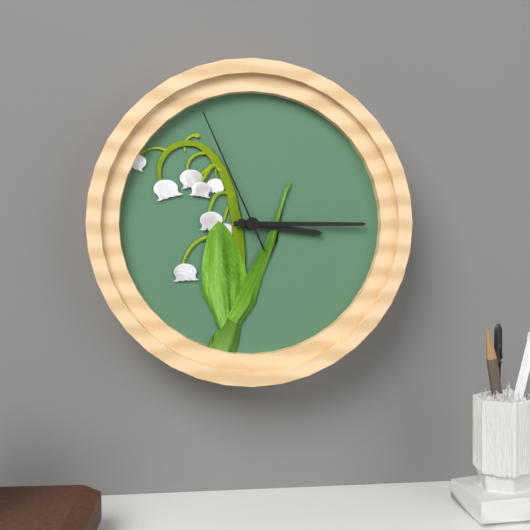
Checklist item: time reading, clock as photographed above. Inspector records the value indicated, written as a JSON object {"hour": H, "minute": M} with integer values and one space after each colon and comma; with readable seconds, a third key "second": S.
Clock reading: {"hour": 3, "minute": 15, "second": 56}
